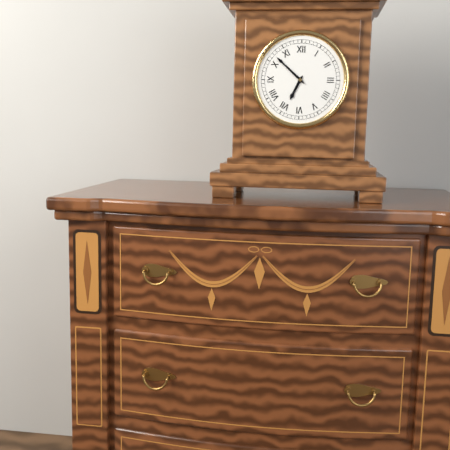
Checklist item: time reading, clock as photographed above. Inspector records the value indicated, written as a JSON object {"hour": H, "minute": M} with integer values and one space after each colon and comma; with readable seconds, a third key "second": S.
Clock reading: {"hour": 6, "minute": 52}
